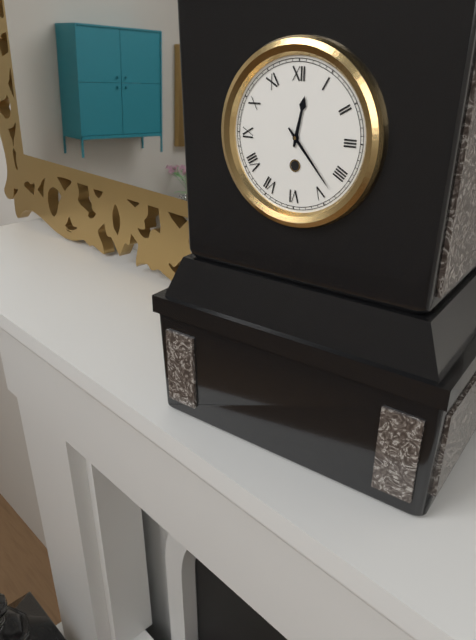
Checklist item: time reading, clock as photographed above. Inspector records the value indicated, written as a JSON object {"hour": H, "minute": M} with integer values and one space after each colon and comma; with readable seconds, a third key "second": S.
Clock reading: {"hour": 12, "minute": 23}
